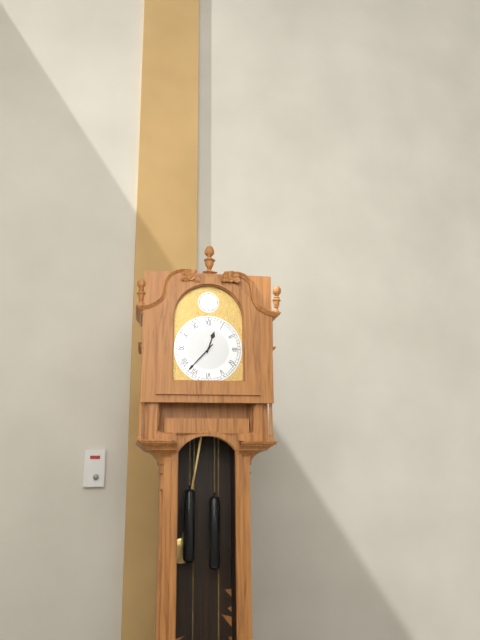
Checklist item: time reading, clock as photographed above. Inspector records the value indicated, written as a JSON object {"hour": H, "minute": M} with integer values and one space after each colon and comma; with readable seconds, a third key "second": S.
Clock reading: {"hour": 12, "minute": 37}
